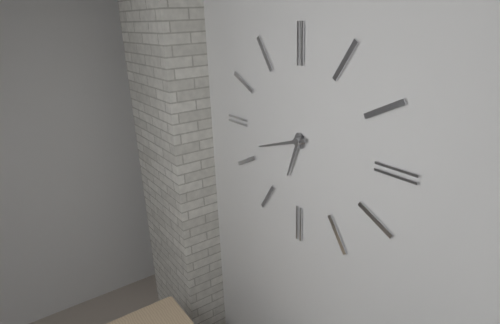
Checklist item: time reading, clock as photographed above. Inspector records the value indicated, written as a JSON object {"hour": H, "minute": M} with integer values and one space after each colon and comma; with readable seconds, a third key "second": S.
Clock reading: {"hour": 6, "minute": 42}
